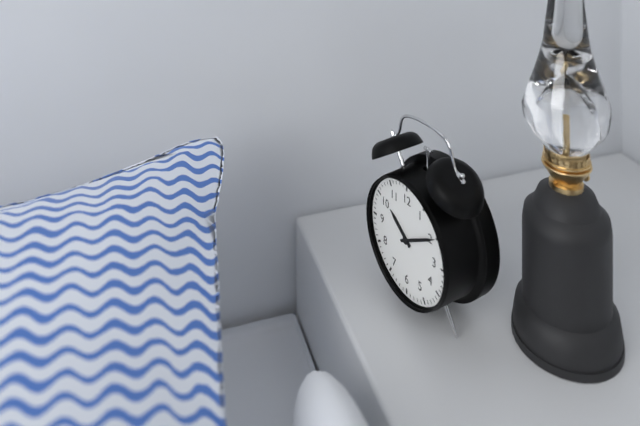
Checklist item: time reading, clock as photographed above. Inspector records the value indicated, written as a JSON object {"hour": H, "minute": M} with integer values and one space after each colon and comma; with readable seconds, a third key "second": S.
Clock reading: {"hour": 10, "minute": 10}
